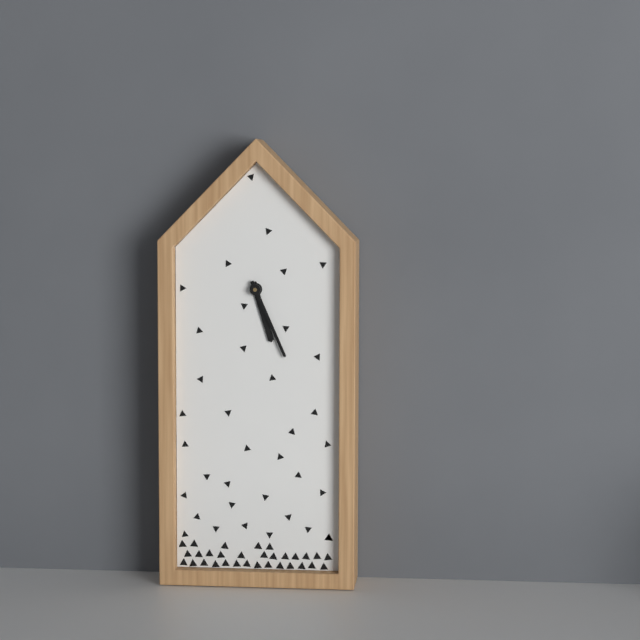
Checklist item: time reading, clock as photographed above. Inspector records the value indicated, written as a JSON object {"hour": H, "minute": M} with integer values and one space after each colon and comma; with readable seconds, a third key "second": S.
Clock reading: {"hour": 5, "minute": 26}
